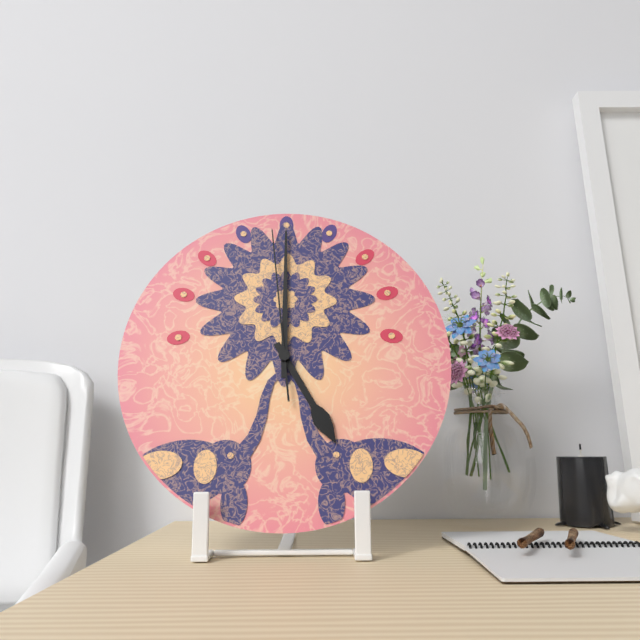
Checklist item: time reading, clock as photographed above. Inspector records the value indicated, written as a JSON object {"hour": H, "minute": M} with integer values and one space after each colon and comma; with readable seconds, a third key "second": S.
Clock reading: {"hour": 5, "minute": 0, "second": 59}
